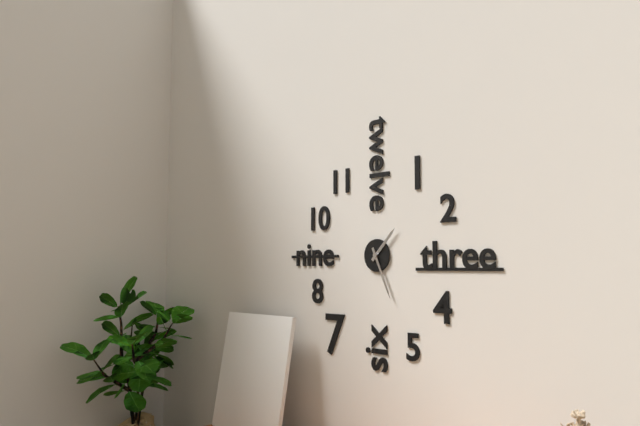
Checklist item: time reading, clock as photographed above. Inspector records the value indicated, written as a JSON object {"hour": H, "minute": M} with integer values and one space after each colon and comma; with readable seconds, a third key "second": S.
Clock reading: {"hour": 1, "minute": 26}
